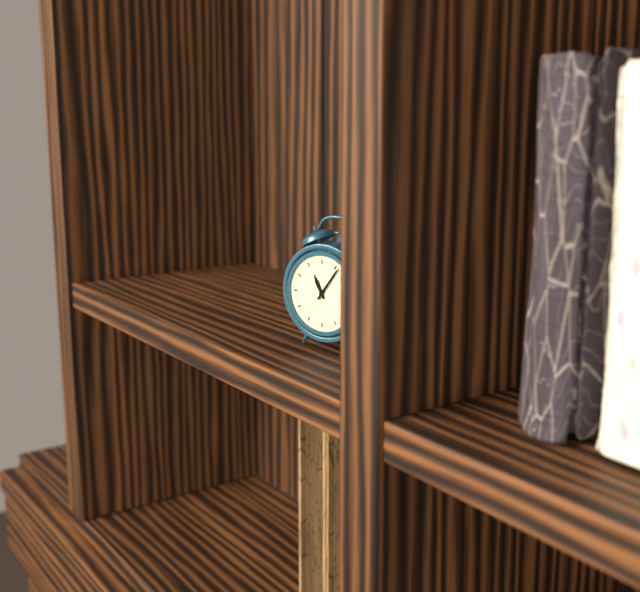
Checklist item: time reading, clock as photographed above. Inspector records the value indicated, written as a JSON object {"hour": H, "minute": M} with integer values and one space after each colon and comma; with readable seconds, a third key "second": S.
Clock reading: {"hour": 11, "minute": 6}
